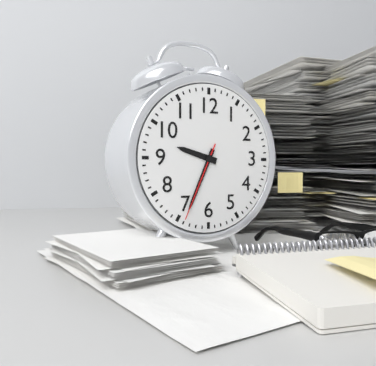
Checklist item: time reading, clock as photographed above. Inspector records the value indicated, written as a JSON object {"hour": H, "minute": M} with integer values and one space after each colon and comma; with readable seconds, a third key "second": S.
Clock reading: {"hour": 9, "minute": 34, "second": 34}
